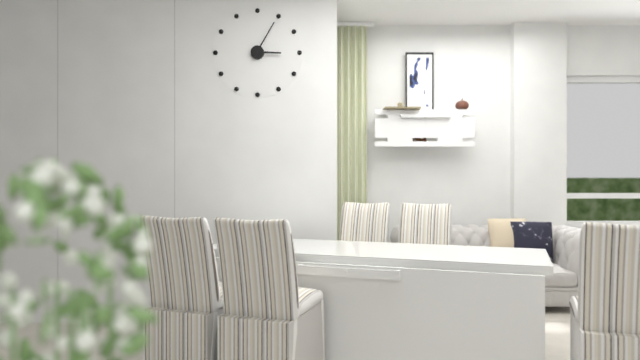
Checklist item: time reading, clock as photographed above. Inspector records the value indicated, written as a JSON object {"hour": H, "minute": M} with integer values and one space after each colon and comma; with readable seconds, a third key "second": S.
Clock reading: {"hour": 3, "minute": 5}
